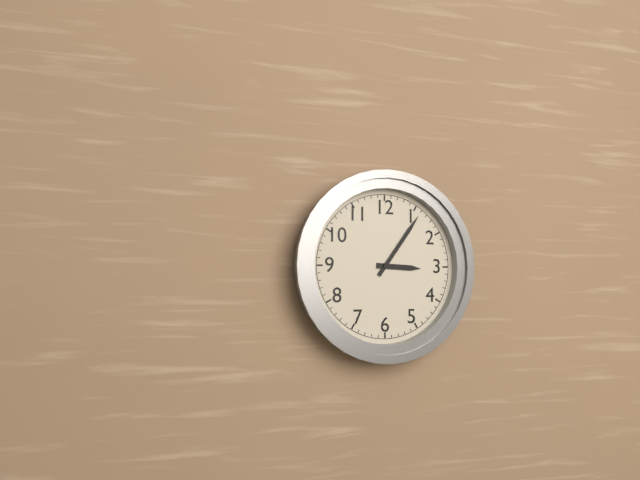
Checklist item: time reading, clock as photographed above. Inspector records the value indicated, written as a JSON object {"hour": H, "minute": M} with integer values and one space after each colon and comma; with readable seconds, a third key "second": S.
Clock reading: {"hour": 3, "minute": 6}
